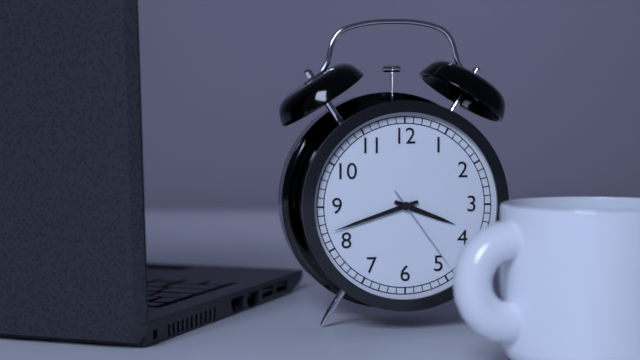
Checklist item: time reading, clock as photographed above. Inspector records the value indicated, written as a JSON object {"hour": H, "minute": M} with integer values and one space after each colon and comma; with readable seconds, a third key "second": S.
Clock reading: {"hour": 3, "minute": 42, "second": 24}
